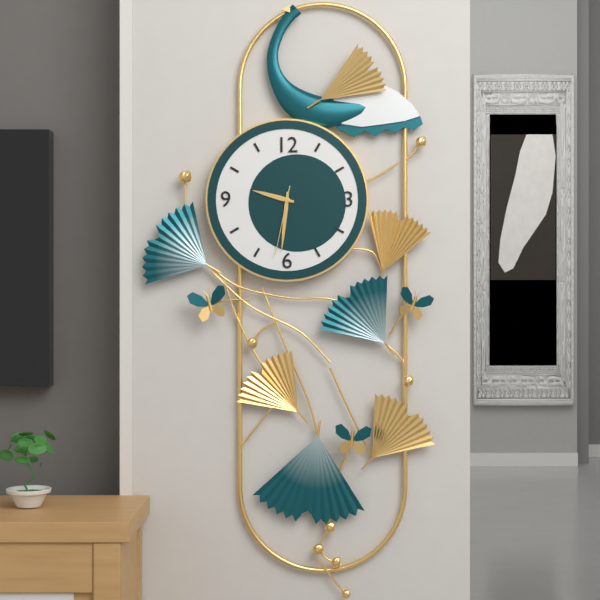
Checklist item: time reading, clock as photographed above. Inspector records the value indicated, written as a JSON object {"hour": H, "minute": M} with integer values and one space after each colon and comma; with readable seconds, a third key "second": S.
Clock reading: {"hour": 9, "minute": 31, "second": 32}
